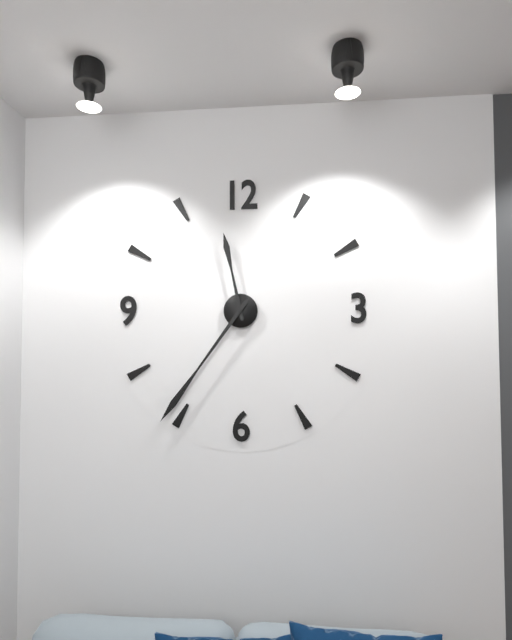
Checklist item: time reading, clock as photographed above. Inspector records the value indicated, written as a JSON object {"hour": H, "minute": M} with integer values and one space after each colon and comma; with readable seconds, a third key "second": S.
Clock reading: {"hour": 11, "minute": 36}
